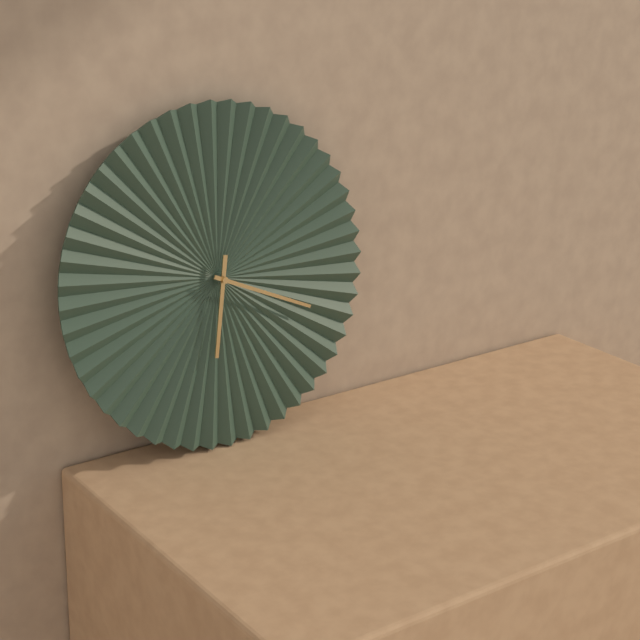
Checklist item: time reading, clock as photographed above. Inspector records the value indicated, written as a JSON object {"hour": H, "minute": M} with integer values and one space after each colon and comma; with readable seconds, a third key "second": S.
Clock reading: {"hour": 6, "minute": 19}
